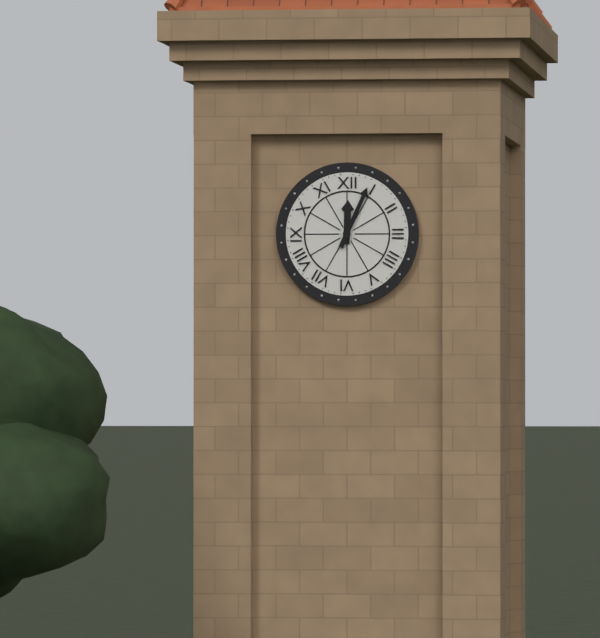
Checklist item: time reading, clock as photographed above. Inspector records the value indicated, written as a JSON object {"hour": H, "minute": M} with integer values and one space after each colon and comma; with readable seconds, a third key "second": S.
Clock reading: {"hour": 12, "minute": 4}
